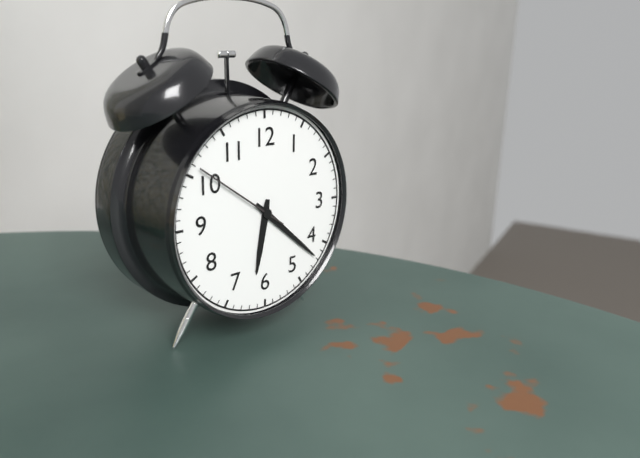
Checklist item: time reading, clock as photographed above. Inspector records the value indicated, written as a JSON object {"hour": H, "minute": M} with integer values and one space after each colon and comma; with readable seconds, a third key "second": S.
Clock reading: {"hour": 6, "minute": 22, "second": 51}
